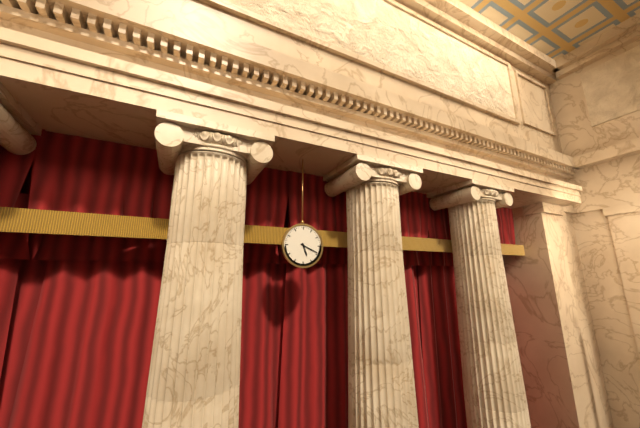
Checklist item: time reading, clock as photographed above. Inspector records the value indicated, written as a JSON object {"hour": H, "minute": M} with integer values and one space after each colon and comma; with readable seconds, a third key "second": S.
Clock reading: {"hour": 5, "minute": 19}
